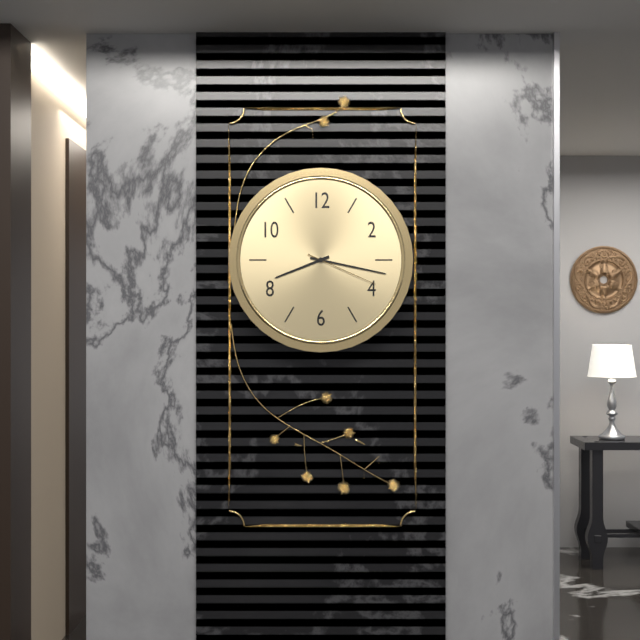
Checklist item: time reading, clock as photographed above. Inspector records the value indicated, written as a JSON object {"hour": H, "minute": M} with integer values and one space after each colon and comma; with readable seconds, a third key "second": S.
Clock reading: {"hour": 8, "minute": 17, "second": 19}
